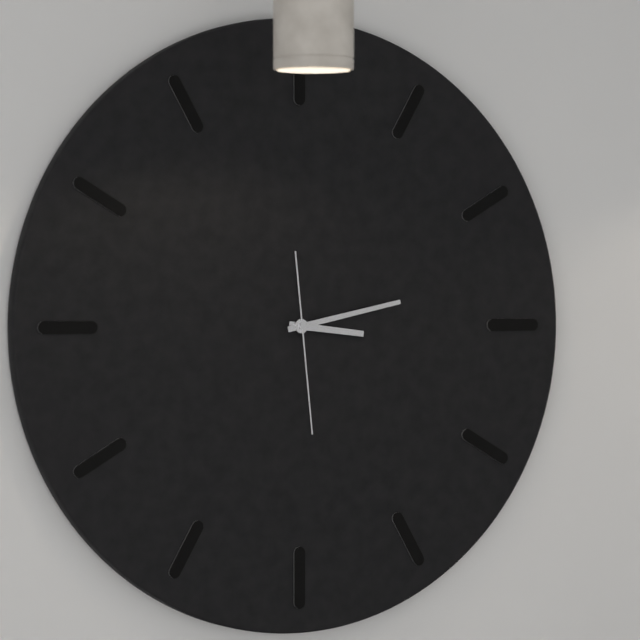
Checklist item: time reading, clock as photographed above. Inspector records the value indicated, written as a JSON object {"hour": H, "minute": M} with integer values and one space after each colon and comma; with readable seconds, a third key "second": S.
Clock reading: {"hour": 3, "minute": 13, "second": 29}
